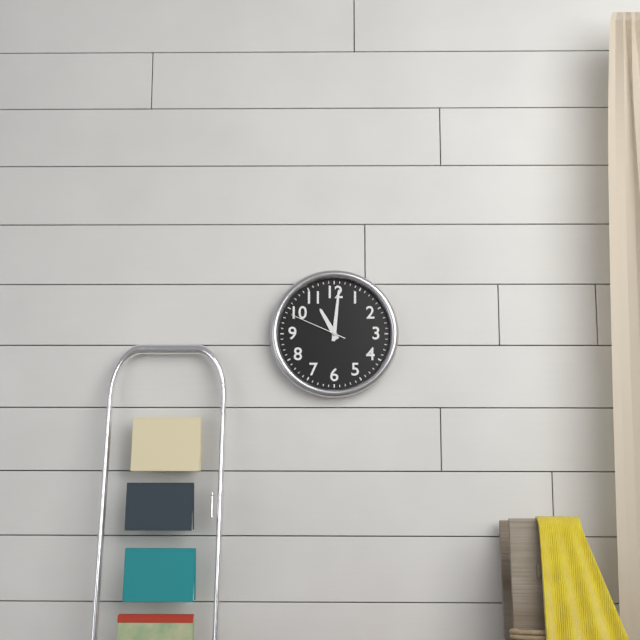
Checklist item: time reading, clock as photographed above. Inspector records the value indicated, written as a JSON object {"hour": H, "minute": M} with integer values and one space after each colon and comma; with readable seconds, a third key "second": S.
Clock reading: {"hour": 11, "minute": 1, "second": 49}
